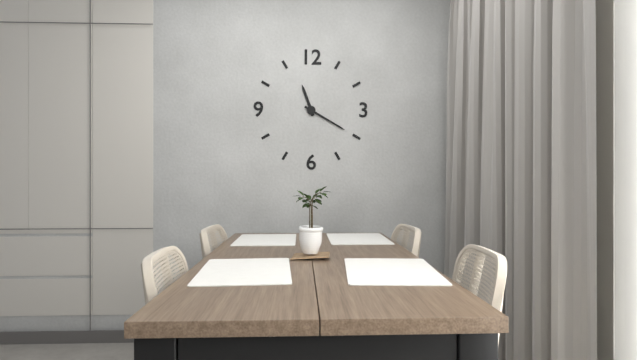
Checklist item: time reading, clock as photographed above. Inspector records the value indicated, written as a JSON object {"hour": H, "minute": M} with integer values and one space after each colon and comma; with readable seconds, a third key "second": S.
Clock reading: {"hour": 11, "minute": 20}
